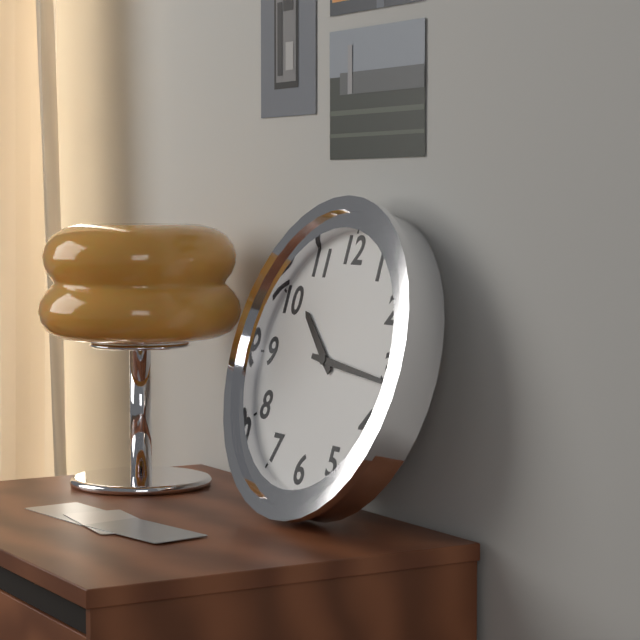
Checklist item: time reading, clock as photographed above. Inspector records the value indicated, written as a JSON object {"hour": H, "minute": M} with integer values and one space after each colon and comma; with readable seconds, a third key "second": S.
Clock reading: {"hour": 10, "minute": 16}
